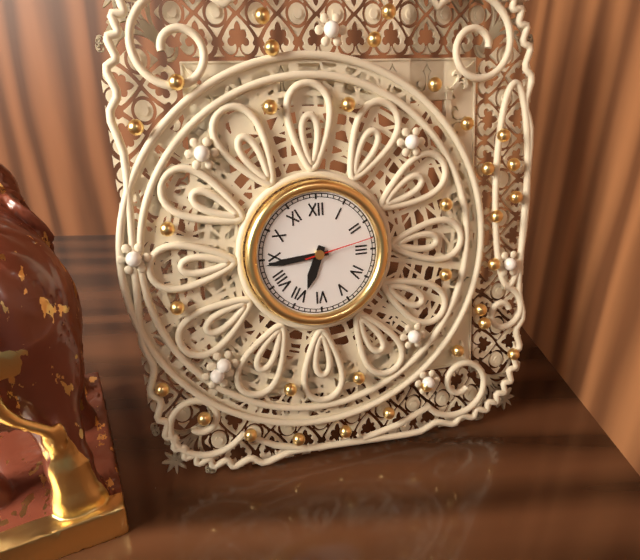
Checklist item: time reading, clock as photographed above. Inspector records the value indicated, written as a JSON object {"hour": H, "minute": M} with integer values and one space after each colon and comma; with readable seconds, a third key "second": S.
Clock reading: {"hour": 6, "minute": 44, "second": 13}
